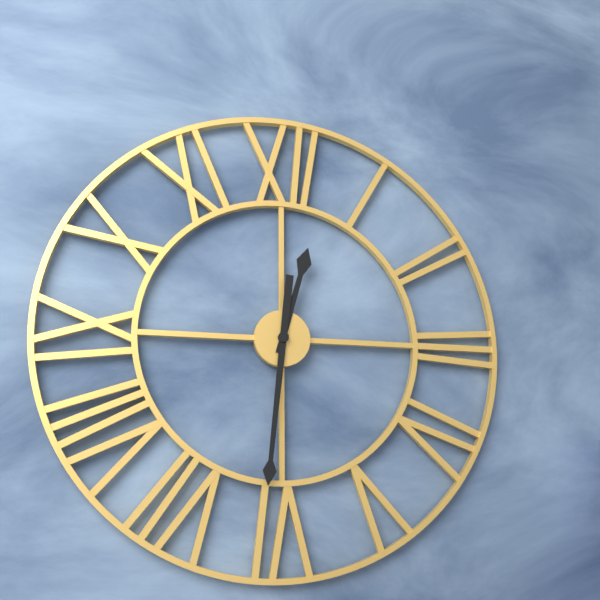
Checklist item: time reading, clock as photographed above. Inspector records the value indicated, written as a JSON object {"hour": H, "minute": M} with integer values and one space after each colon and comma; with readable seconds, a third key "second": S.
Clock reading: {"hour": 12, "minute": 31}
